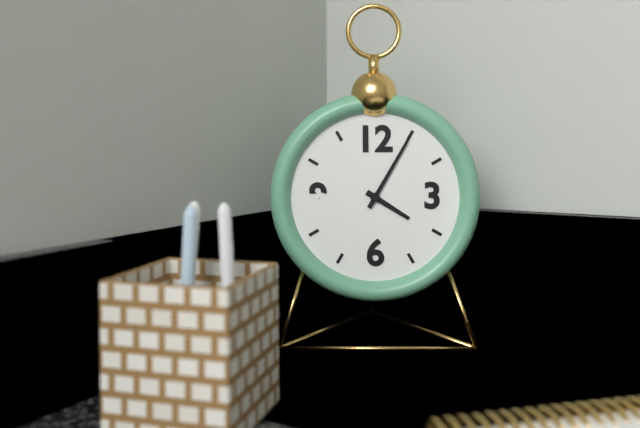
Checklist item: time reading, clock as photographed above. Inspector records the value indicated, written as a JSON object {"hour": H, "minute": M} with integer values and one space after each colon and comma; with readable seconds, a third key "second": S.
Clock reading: {"hour": 4, "minute": 5}
